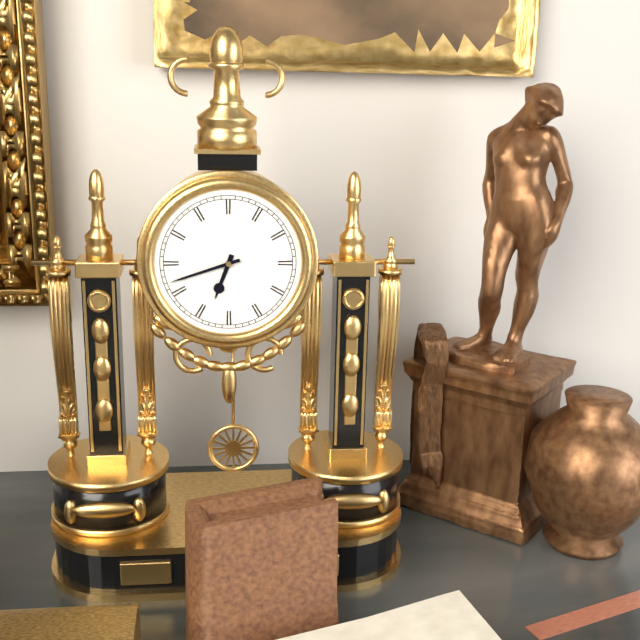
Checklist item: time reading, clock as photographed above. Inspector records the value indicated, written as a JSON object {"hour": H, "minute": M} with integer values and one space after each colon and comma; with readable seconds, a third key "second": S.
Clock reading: {"hour": 6, "minute": 42}
